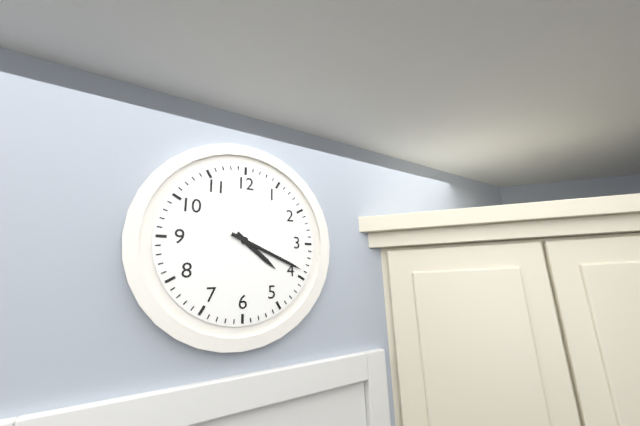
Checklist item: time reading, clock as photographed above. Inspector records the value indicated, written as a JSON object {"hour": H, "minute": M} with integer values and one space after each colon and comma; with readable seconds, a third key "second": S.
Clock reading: {"hour": 4, "minute": 19}
